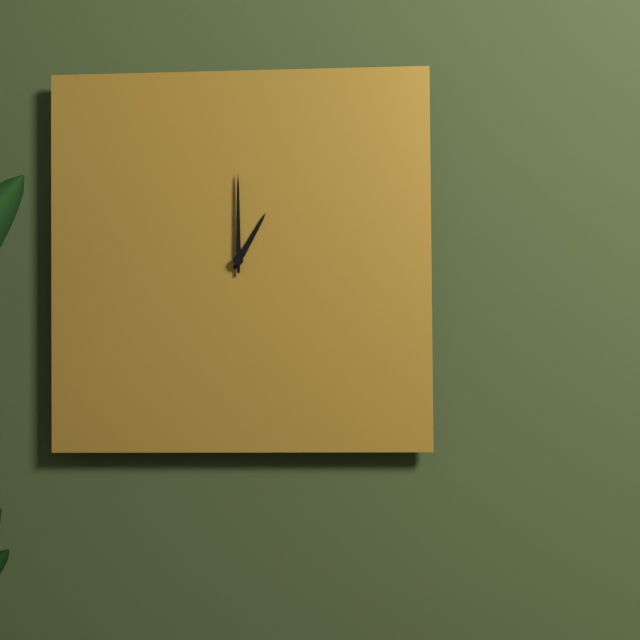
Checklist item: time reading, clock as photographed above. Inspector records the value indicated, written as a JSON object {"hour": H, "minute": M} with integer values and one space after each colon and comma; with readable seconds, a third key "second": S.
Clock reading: {"hour": 1, "minute": 0}
